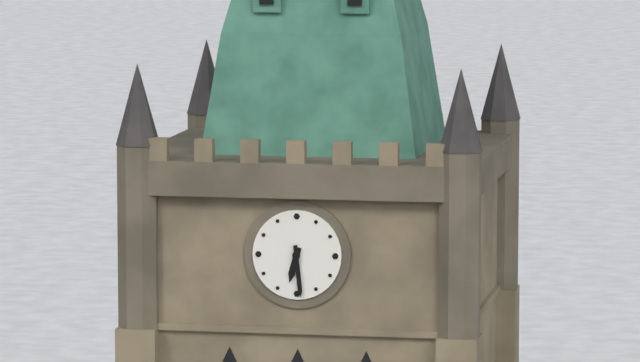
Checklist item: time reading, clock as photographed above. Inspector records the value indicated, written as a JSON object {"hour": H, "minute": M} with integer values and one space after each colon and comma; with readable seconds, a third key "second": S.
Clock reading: {"hour": 6, "minute": 29}
